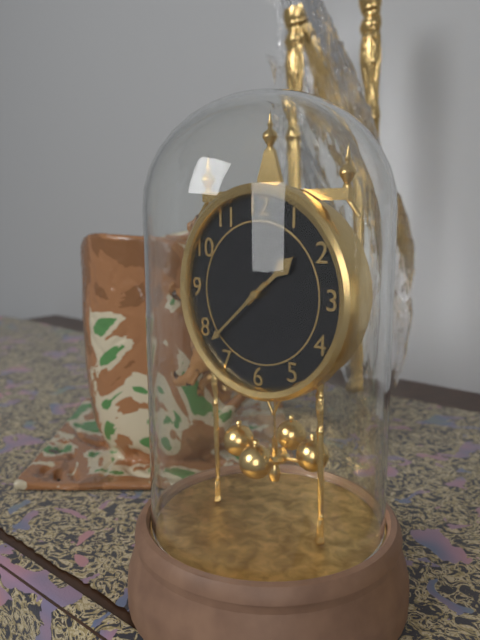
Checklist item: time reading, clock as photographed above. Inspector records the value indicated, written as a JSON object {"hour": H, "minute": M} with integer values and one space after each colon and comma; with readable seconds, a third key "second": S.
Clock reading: {"hour": 1, "minute": 38}
